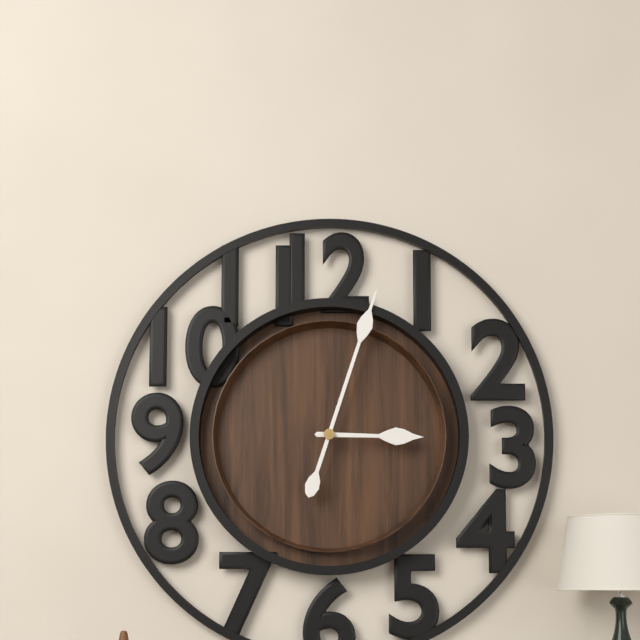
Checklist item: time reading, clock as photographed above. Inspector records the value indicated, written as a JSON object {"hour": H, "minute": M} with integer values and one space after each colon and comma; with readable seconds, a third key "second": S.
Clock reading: {"hour": 3, "minute": 3}
